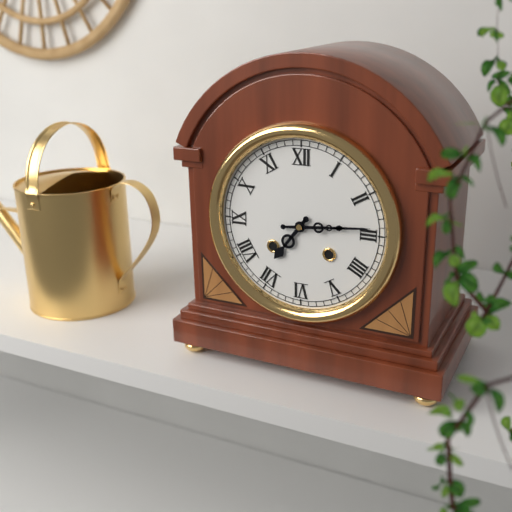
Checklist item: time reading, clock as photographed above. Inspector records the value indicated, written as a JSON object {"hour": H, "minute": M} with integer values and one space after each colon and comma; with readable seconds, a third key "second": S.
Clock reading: {"hour": 7, "minute": 14}
